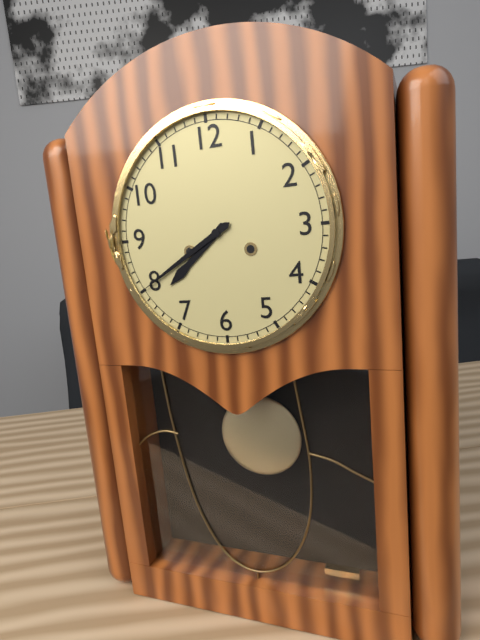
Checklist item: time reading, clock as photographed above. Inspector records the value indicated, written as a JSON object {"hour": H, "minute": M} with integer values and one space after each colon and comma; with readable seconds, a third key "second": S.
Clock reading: {"hour": 7, "minute": 40}
